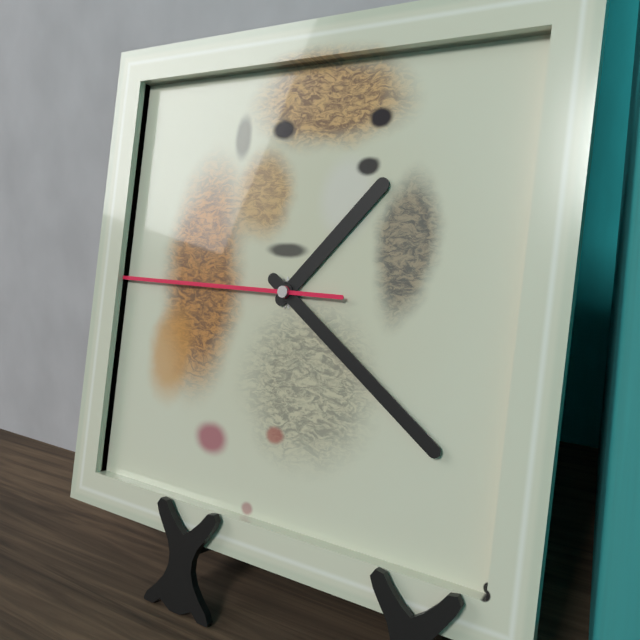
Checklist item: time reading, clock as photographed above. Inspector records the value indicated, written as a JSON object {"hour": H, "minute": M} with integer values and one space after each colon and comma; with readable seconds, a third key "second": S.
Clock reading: {"hour": 1, "minute": 21, "second": 45}
